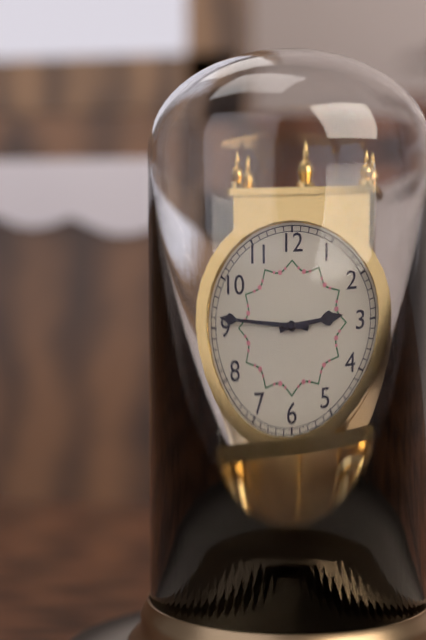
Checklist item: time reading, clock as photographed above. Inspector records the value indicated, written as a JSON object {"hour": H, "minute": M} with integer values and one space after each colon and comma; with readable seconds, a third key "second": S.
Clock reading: {"hour": 2, "minute": 46}
